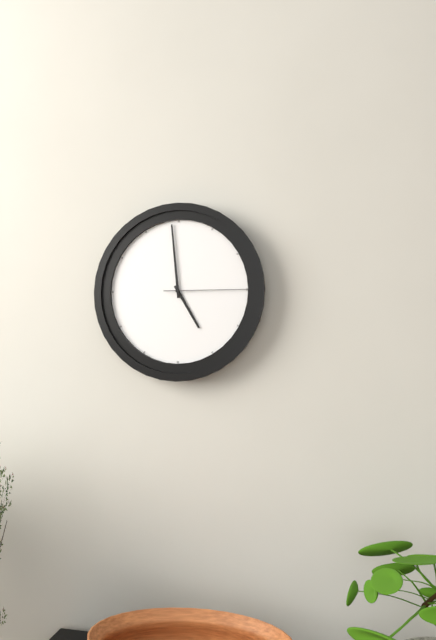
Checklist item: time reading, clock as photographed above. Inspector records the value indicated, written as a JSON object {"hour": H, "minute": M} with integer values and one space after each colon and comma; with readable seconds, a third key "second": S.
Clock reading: {"hour": 4, "minute": 59, "second": 15}
